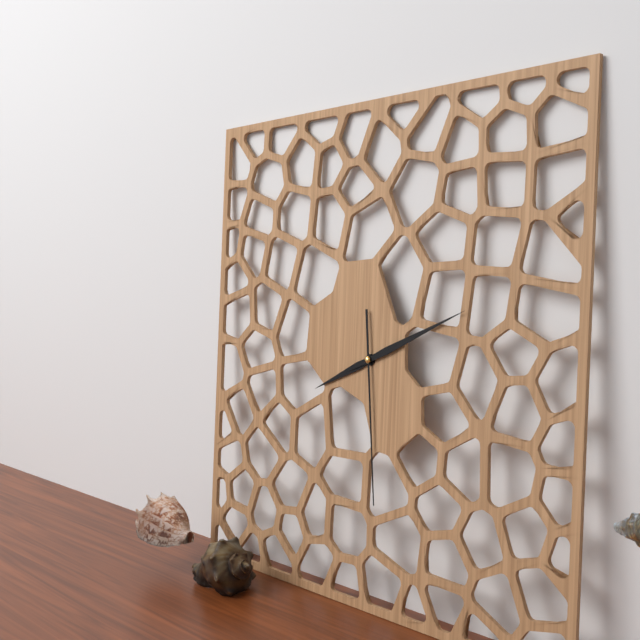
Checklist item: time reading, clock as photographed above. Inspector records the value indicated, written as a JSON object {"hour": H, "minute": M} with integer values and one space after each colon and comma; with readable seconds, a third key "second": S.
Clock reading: {"hour": 8, "minute": 11, "second": 29}
